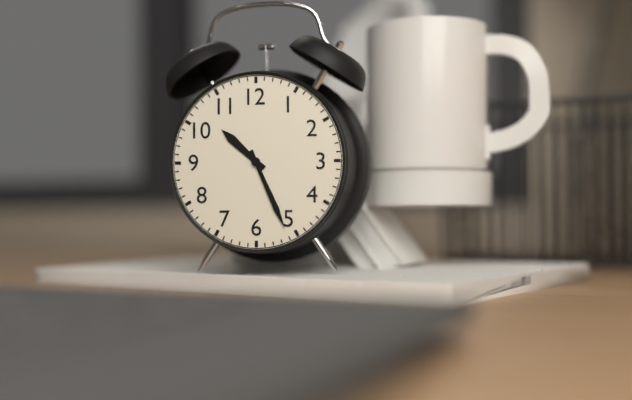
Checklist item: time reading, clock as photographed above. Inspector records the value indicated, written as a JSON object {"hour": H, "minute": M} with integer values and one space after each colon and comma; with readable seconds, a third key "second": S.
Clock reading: {"hour": 10, "minute": 26}
